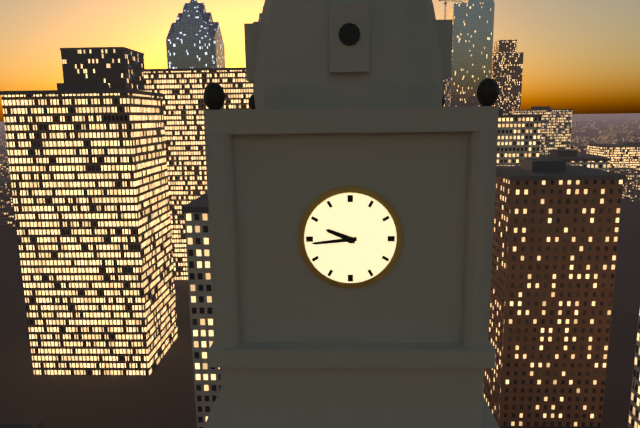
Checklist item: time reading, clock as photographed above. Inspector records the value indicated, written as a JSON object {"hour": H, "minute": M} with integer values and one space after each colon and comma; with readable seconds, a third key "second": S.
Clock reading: {"hour": 9, "minute": 44}
